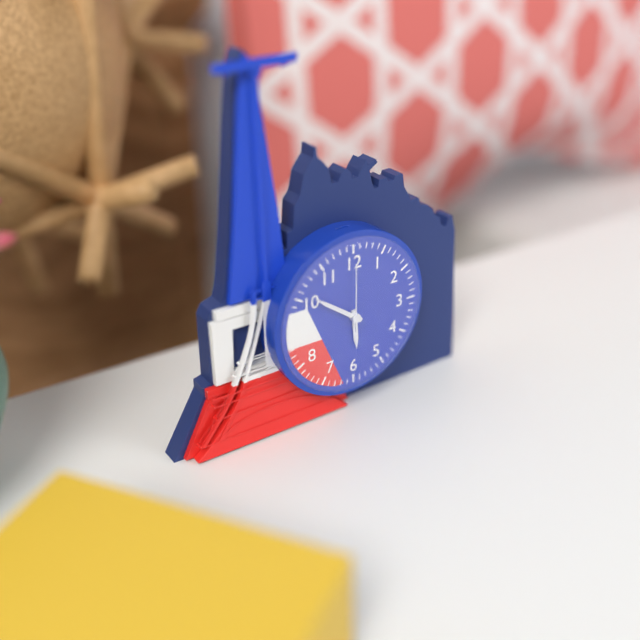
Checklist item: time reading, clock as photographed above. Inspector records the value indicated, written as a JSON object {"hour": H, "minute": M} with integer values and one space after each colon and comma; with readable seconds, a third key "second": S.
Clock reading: {"hour": 5, "minute": 51, "second": 0}
